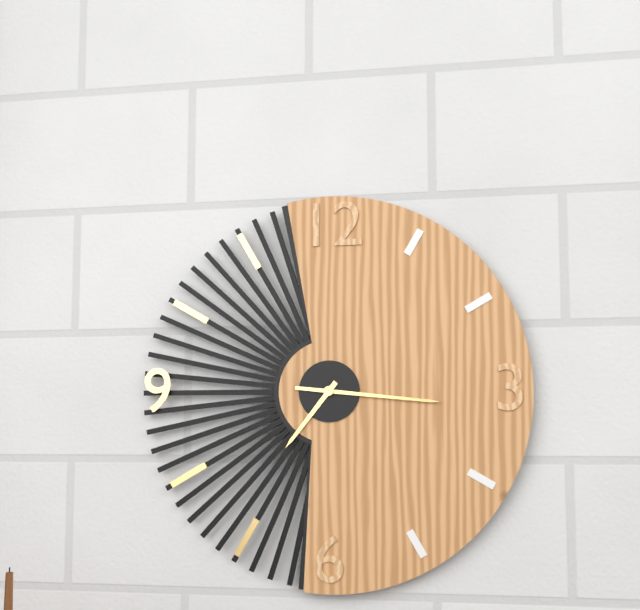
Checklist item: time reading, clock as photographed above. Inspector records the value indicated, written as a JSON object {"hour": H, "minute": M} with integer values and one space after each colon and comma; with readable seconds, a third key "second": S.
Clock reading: {"hour": 7, "minute": 16}
